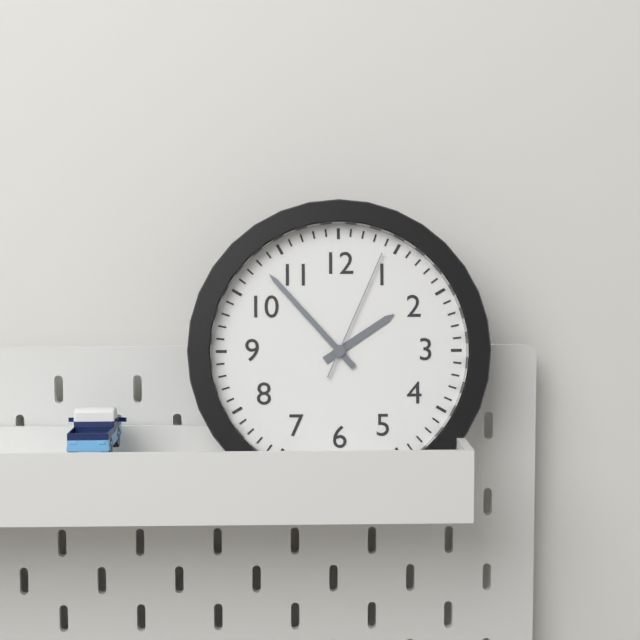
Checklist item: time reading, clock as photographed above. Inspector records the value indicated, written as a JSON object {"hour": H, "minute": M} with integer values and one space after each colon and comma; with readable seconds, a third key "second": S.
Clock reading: {"hour": 1, "minute": 53, "second": 4}
